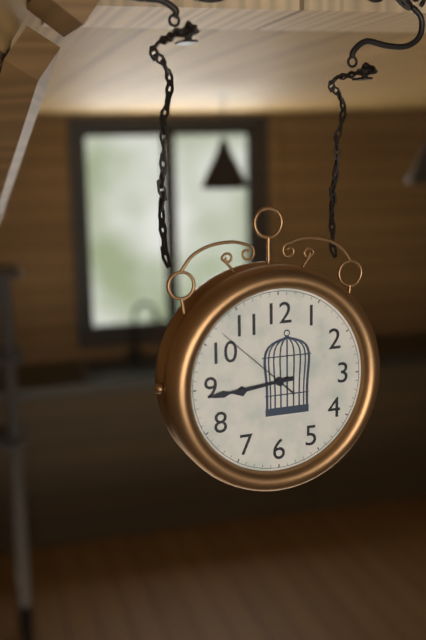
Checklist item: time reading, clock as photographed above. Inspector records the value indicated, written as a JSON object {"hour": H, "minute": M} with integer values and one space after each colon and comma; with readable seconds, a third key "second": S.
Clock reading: {"hour": 8, "minute": 44, "second": 52}
